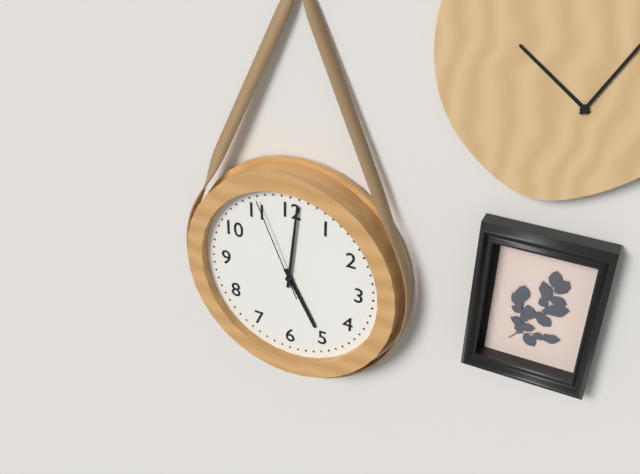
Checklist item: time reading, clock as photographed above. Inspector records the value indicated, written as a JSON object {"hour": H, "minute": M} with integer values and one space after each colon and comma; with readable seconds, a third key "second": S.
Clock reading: {"hour": 5, "minute": 1, "second": 56}
